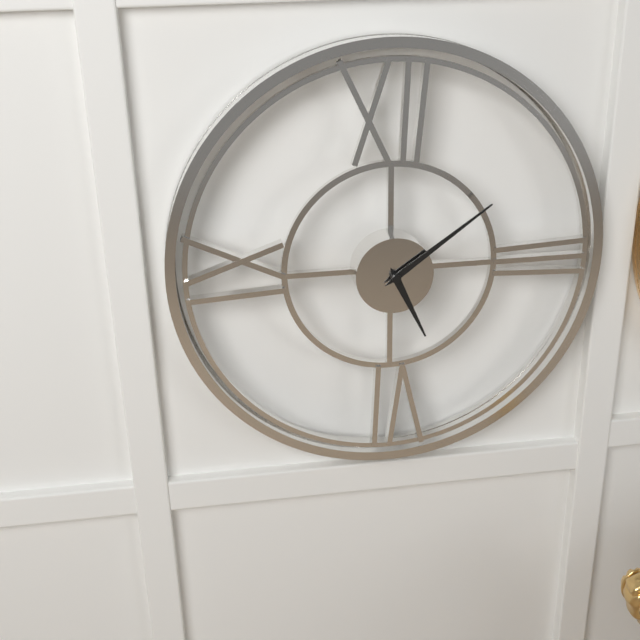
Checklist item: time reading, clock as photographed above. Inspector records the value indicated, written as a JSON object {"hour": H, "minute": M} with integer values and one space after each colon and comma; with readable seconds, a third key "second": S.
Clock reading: {"hour": 5, "minute": 9}
